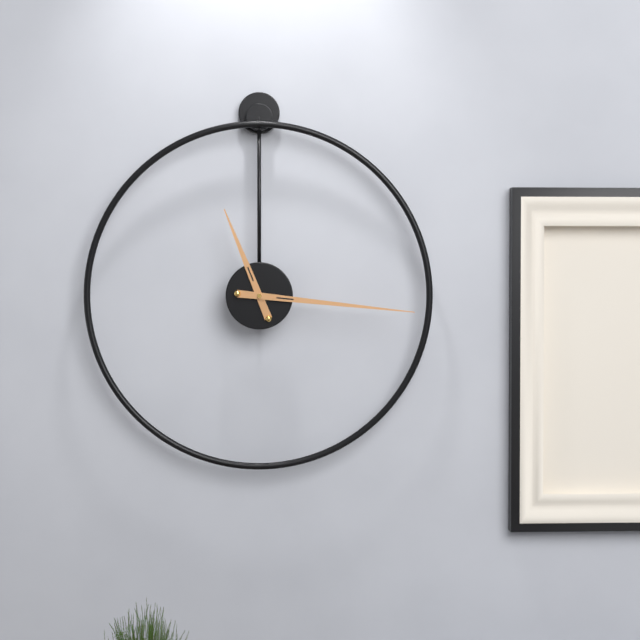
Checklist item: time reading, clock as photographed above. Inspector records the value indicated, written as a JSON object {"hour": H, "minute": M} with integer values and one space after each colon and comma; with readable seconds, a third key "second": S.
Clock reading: {"hour": 11, "minute": 16}
